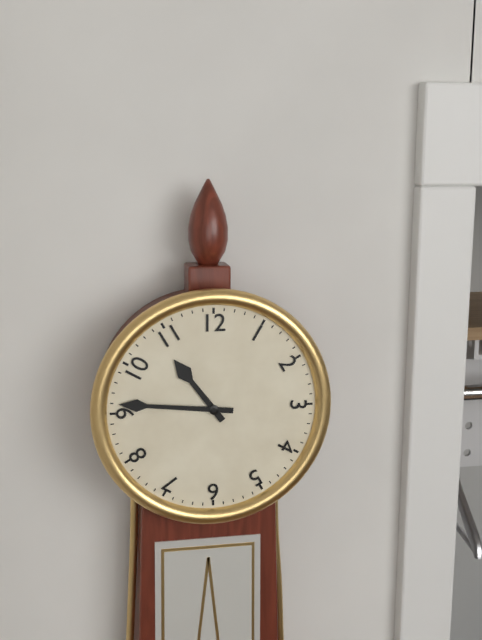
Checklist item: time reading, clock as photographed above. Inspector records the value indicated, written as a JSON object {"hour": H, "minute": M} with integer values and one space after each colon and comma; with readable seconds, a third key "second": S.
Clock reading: {"hour": 10, "minute": 46}
